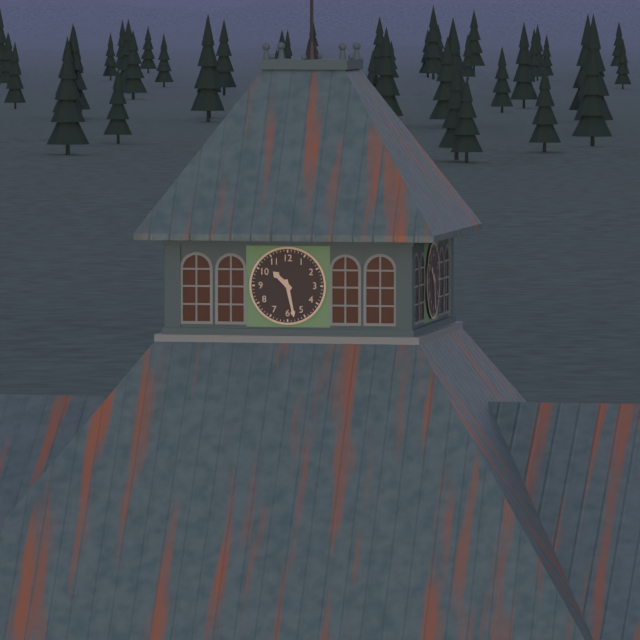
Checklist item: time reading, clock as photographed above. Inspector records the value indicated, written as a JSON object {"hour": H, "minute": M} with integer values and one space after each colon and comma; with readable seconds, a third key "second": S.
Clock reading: {"hour": 10, "minute": 28}
